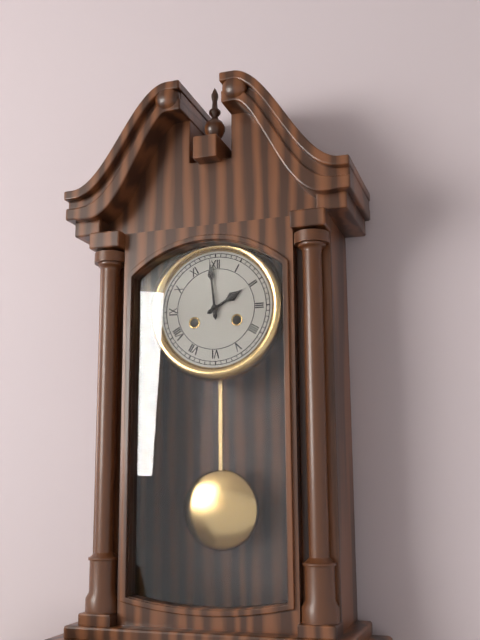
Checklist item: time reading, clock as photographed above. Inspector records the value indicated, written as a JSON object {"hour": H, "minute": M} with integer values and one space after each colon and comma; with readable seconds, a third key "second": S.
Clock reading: {"hour": 1, "minute": 59}
